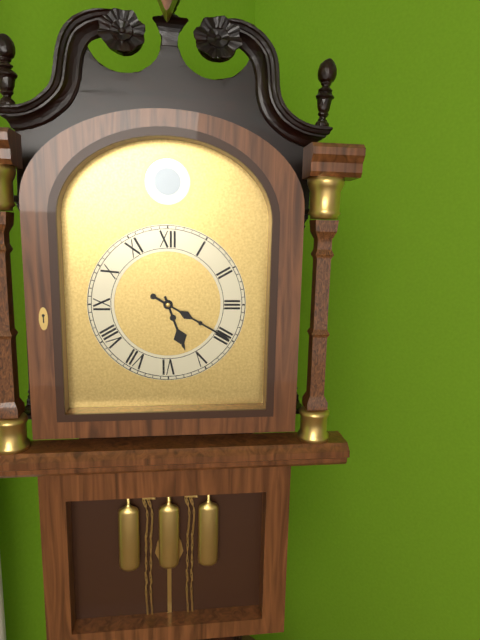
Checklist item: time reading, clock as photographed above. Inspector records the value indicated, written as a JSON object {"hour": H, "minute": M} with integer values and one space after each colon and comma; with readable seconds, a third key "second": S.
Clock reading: {"hour": 5, "minute": 20}
